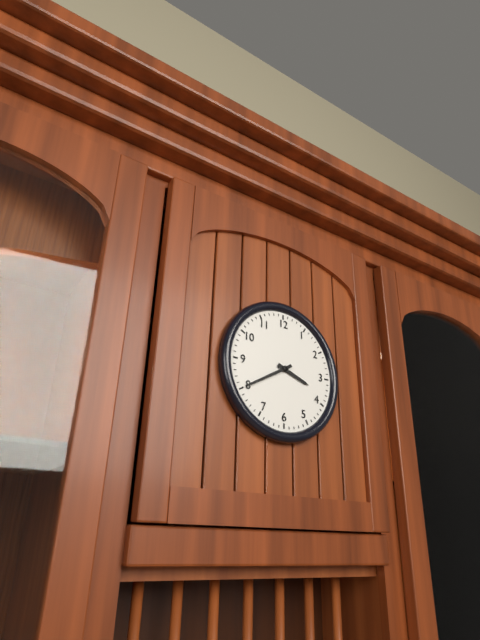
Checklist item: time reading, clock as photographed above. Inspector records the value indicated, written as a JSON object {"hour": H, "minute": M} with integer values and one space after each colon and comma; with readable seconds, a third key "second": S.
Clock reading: {"hour": 3, "minute": 40}
